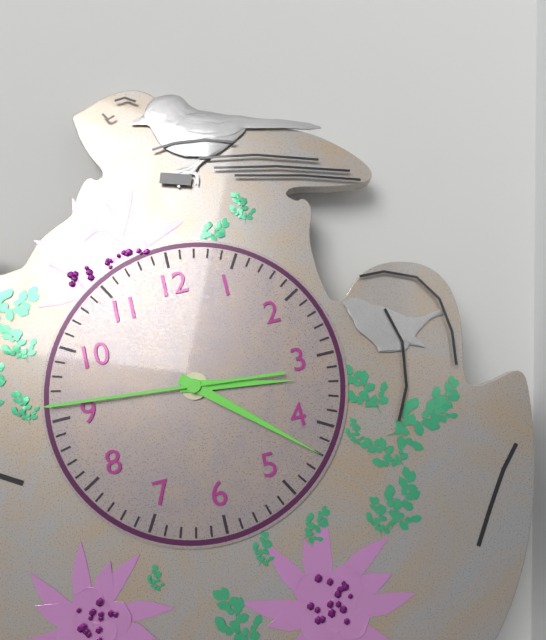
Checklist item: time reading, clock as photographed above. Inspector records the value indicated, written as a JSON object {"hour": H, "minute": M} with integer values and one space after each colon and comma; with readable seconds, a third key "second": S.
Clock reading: {"hour": 3, "minute": 22, "second": 46}
